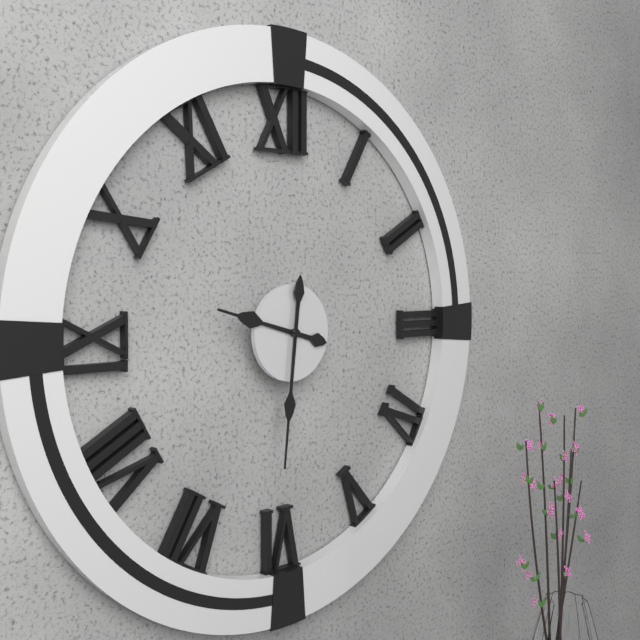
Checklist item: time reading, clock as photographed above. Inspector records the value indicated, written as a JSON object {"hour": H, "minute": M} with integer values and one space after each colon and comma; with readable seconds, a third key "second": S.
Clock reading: {"hour": 9, "minute": 31}
